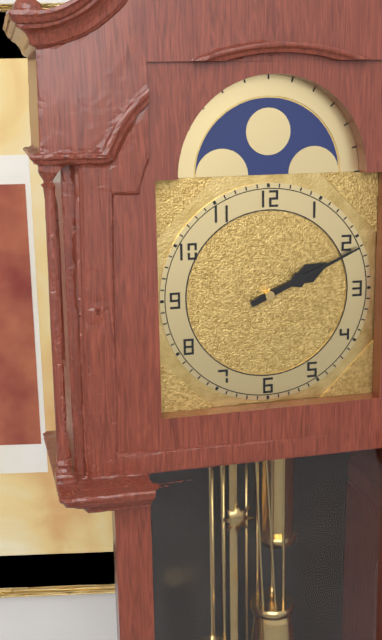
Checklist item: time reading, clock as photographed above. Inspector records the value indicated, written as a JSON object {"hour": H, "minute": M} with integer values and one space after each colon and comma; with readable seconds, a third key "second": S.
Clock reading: {"hour": 2, "minute": 11}
